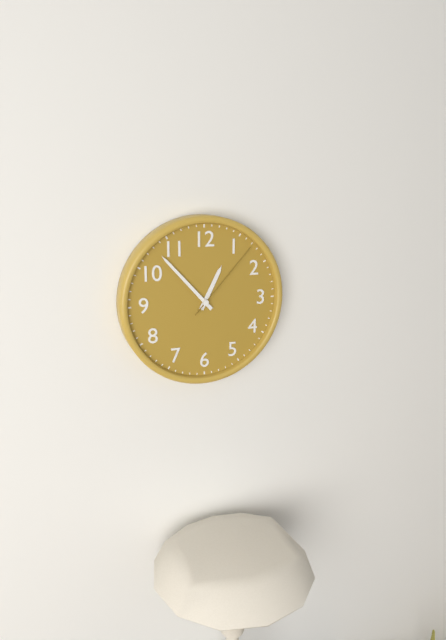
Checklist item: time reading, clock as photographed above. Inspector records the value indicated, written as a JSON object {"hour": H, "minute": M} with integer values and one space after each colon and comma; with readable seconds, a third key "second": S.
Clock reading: {"hour": 12, "minute": 53, "second": 7}
